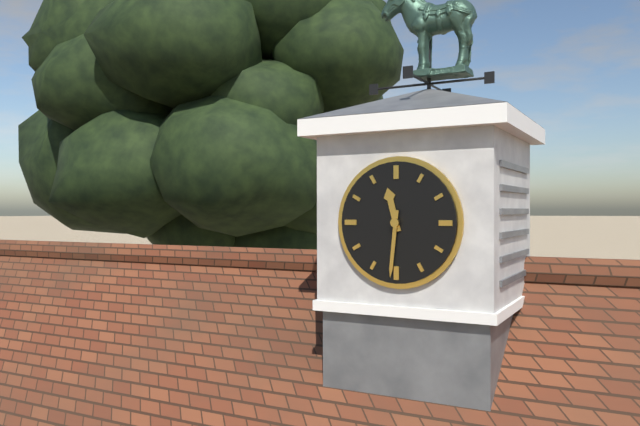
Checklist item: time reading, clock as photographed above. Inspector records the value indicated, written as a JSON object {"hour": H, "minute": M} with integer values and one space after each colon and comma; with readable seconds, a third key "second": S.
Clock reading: {"hour": 11, "minute": 31}
